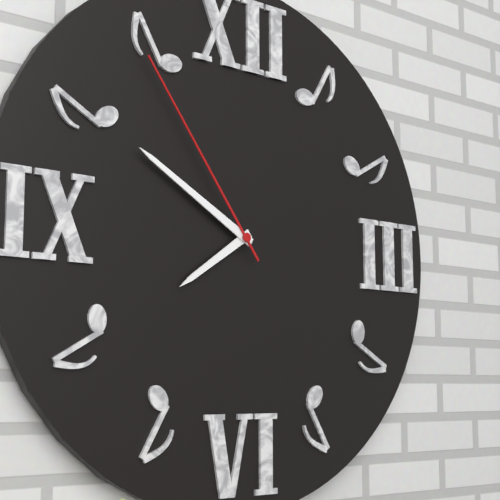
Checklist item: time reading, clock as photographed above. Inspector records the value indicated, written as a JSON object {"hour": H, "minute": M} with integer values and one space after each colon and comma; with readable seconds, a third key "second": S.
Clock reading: {"hour": 7, "minute": 50, "second": 54}
